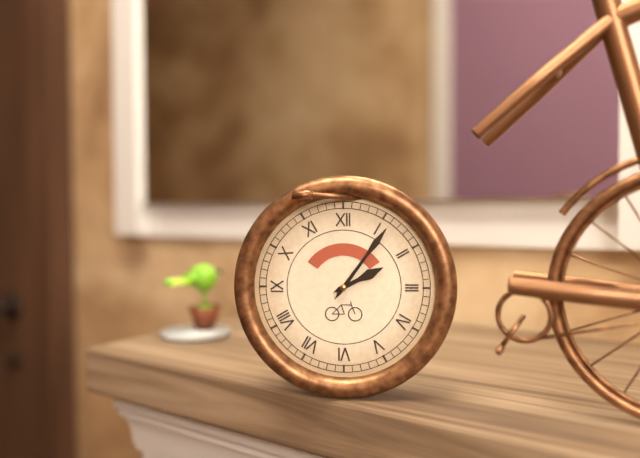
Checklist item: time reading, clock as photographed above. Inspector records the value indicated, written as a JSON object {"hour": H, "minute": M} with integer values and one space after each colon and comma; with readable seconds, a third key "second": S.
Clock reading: {"hour": 2, "minute": 6}
